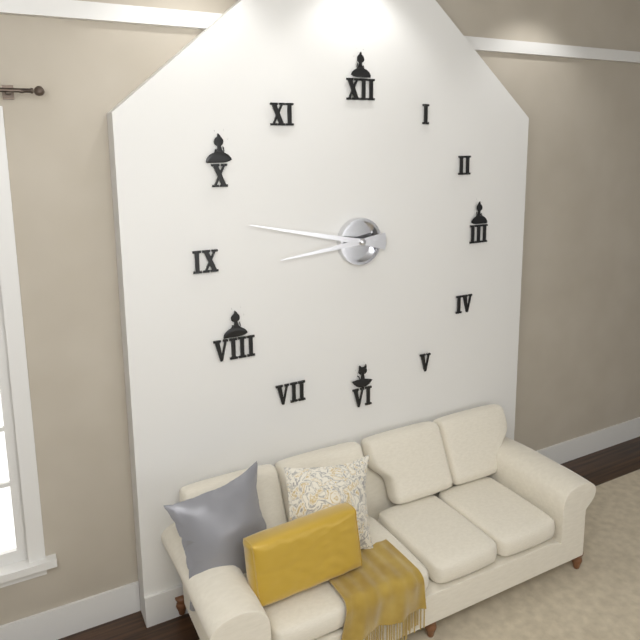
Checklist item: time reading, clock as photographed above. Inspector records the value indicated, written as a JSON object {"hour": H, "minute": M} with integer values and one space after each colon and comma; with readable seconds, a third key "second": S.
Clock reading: {"hour": 8, "minute": 47}
